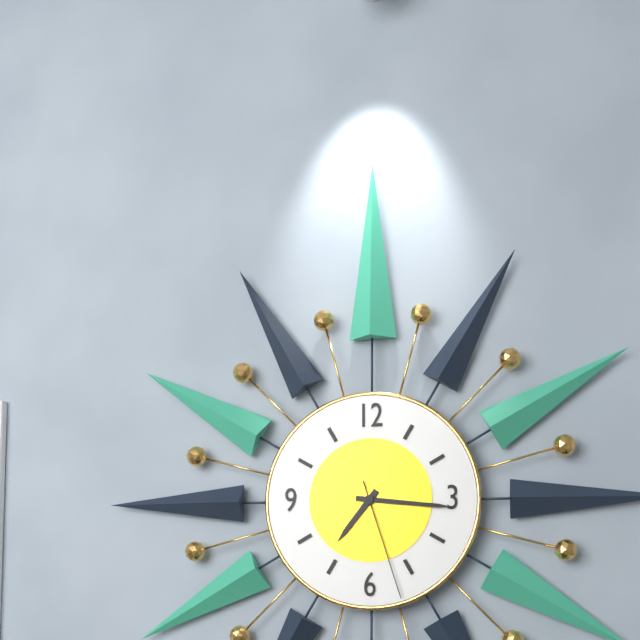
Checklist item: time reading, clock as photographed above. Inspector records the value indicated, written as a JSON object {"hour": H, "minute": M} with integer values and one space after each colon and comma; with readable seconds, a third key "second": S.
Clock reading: {"hour": 7, "minute": 16, "second": 27}
